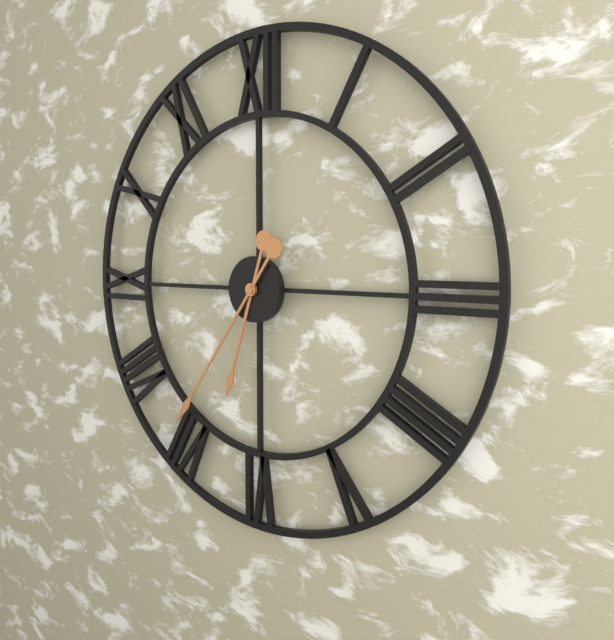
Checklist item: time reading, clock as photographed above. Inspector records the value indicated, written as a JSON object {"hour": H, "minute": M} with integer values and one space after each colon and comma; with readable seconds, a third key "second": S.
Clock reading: {"hour": 6, "minute": 36}
